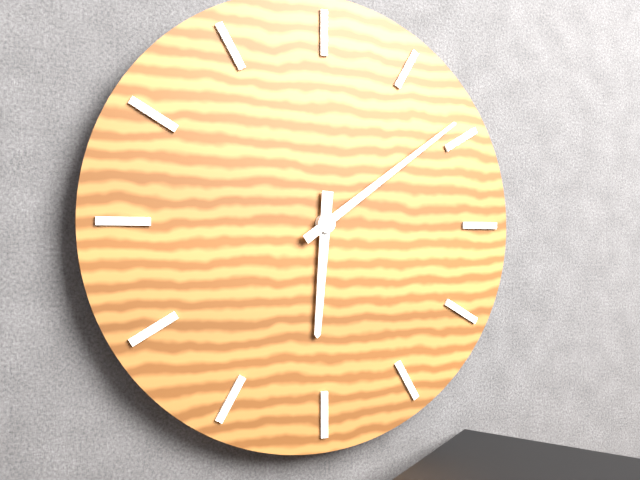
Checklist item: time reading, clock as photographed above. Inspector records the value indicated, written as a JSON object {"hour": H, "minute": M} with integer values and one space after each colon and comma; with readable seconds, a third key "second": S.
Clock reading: {"hour": 6, "minute": 9}
